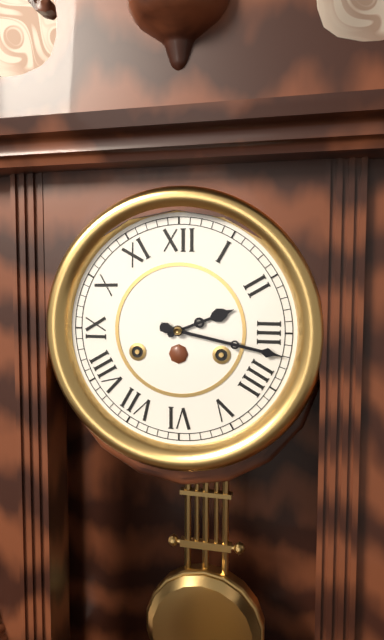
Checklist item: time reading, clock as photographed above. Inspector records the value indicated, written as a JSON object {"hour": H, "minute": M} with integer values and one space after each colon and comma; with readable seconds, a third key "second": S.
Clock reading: {"hour": 2, "minute": 17}
